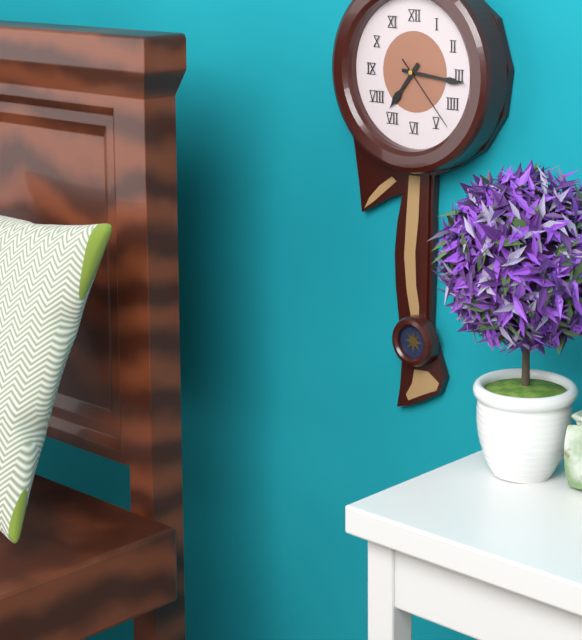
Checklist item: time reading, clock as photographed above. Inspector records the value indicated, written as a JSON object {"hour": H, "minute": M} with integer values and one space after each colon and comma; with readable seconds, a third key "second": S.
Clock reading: {"hour": 7, "minute": 16, "second": 23}
